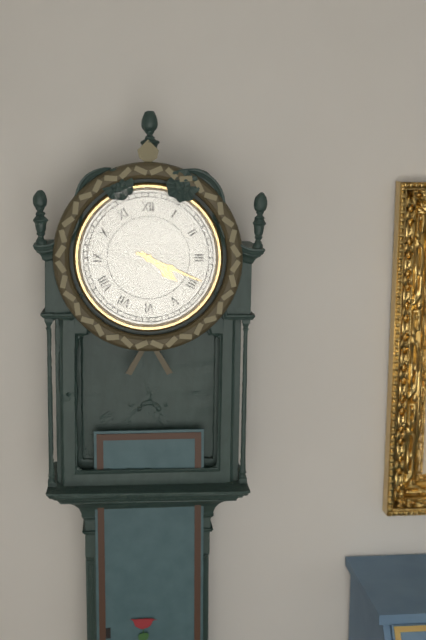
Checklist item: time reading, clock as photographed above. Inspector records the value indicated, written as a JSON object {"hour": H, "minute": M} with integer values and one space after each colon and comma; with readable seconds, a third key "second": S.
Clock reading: {"hour": 4, "minute": 19}
